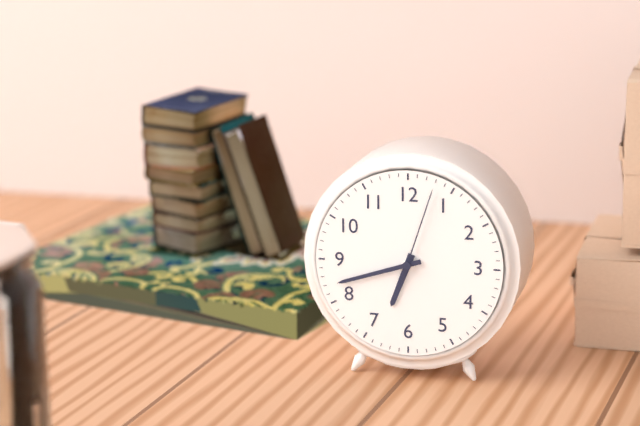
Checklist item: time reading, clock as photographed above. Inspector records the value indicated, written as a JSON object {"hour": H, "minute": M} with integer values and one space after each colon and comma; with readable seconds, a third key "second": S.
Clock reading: {"hour": 6, "minute": 42, "second": 3}
